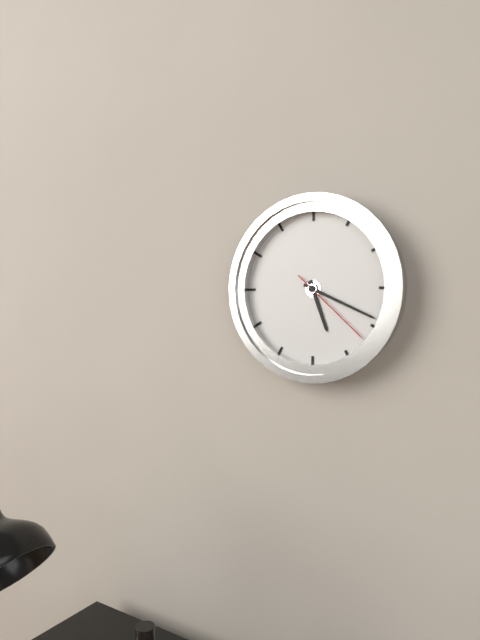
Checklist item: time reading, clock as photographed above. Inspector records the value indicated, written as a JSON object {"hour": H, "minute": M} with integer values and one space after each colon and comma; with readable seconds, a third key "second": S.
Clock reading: {"hour": 5, "minute": 19, "second": 22}
